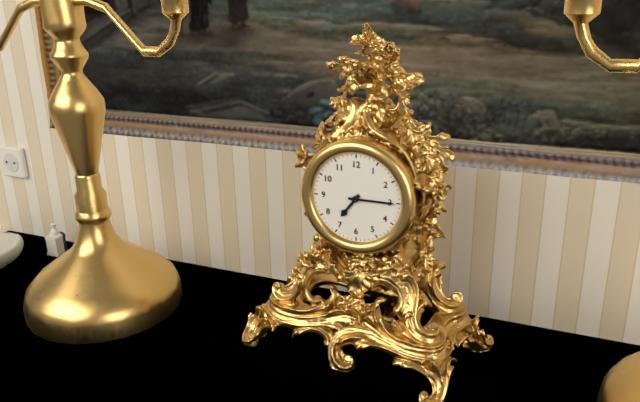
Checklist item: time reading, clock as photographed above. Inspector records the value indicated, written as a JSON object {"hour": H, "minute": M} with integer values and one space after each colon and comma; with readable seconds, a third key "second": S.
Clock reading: {"hour": 7, "minute": 15}
